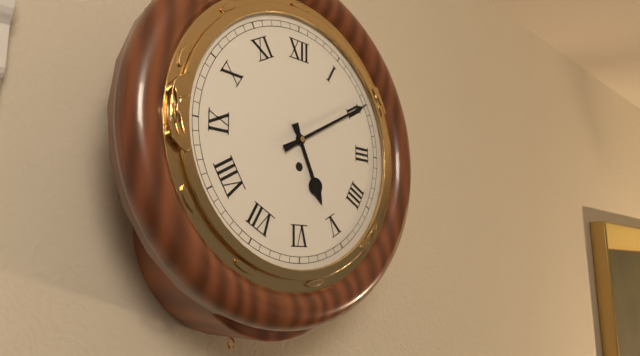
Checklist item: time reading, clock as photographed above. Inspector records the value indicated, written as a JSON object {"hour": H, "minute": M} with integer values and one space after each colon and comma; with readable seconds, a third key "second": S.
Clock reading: {"hour": 5, "minute": 10}
